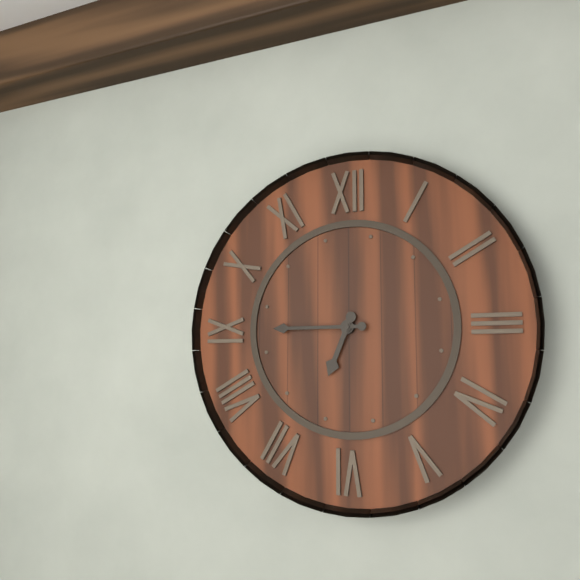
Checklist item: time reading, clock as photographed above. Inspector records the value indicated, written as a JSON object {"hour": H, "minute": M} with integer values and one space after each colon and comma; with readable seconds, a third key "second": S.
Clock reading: {"hour": 6, "minute": 45}
